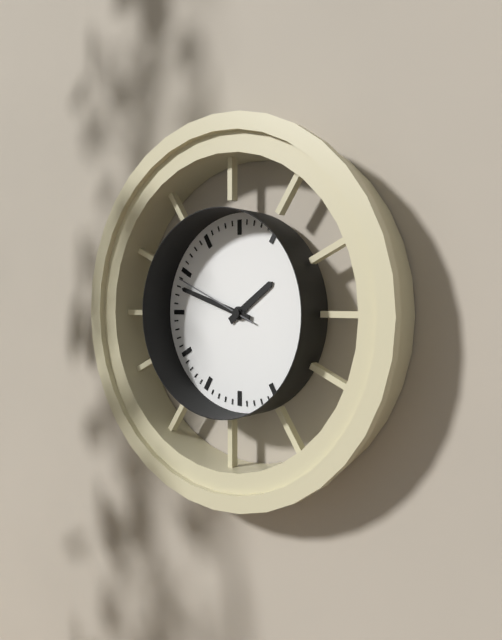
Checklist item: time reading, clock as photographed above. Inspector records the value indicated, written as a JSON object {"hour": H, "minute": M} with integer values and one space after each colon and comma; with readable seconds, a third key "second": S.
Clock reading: {"hour": 1, "minute": 48, "second": 49}
